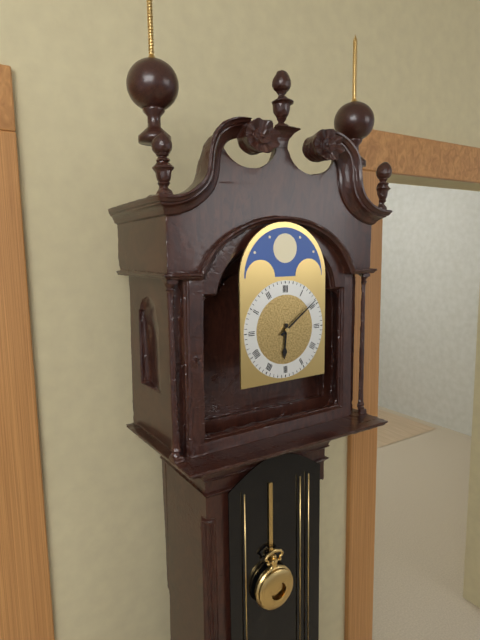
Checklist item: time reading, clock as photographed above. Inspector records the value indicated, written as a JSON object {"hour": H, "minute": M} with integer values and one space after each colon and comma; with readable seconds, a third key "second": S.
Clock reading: {"hour": 6, "minute": 9}
